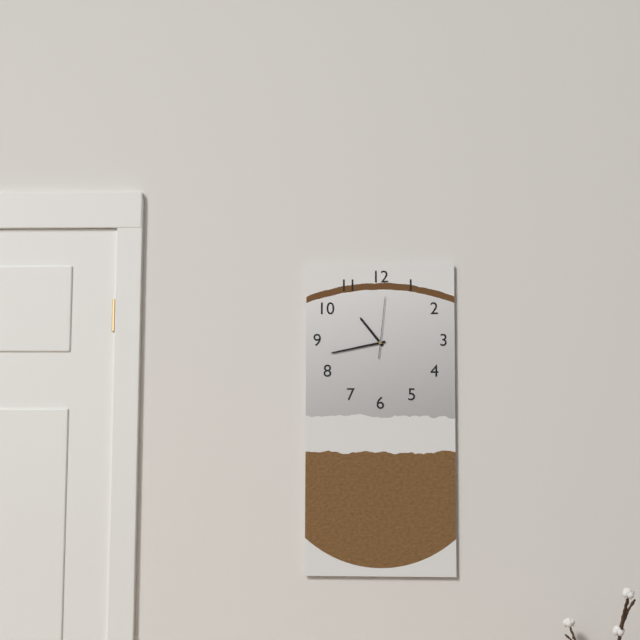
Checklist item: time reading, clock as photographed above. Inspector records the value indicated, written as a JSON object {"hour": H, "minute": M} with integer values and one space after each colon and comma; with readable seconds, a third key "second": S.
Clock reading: {"hour": 10, "minute": 43, "second": 1}
